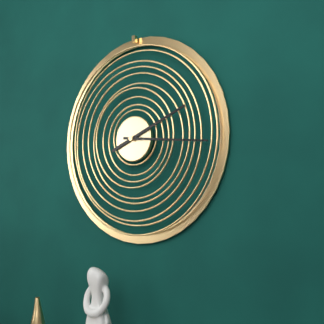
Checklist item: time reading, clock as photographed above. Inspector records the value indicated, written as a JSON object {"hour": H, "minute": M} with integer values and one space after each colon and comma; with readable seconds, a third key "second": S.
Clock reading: {"hour": 2, "minute": 16}
